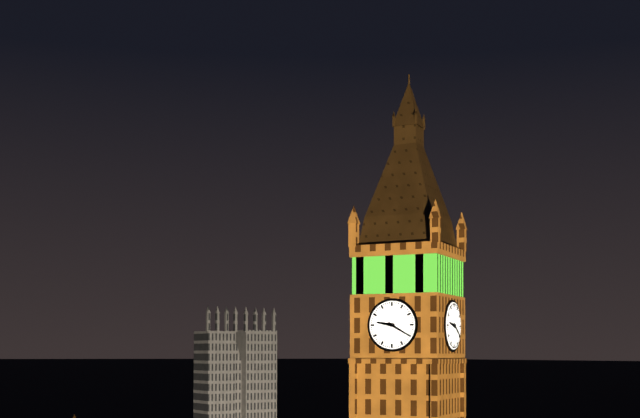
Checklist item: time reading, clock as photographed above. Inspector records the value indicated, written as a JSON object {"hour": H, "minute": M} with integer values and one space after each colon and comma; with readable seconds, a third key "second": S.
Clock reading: {"hour": 9, "minute": 20}
